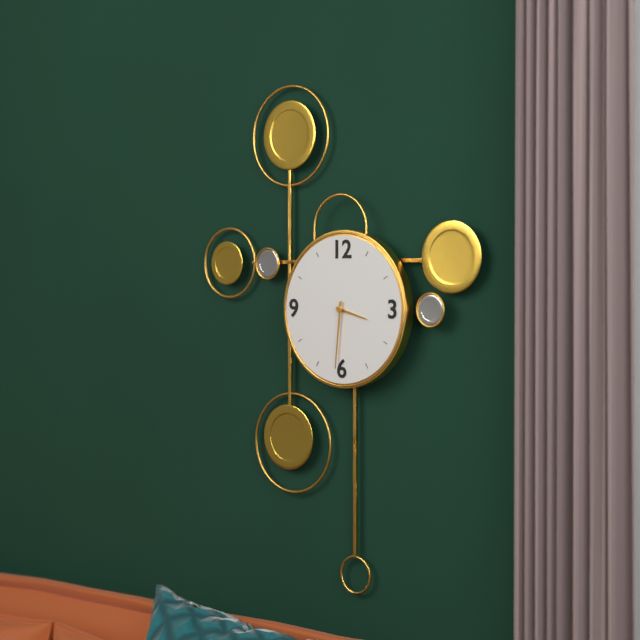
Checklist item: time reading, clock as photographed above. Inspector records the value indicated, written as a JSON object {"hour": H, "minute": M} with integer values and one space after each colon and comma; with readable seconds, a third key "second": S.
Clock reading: {"hour": 3, "minute": 31}
